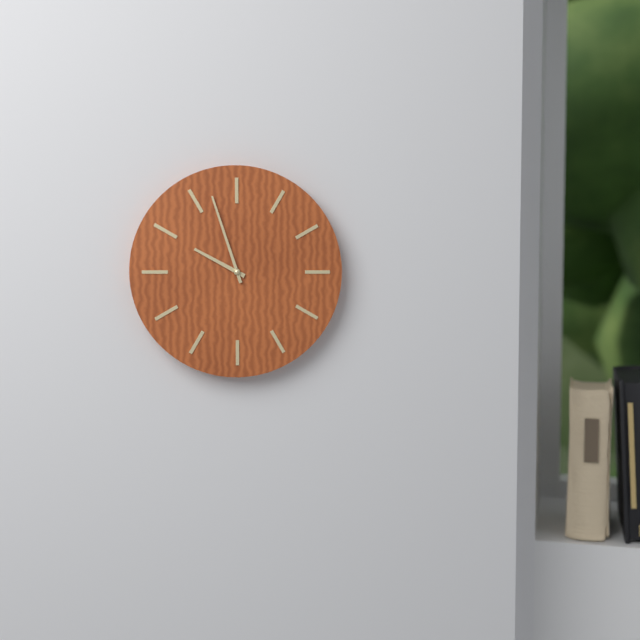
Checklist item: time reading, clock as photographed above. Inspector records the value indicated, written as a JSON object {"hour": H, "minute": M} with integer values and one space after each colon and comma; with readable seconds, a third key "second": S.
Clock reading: {"hour": 9, "minute": 57}
